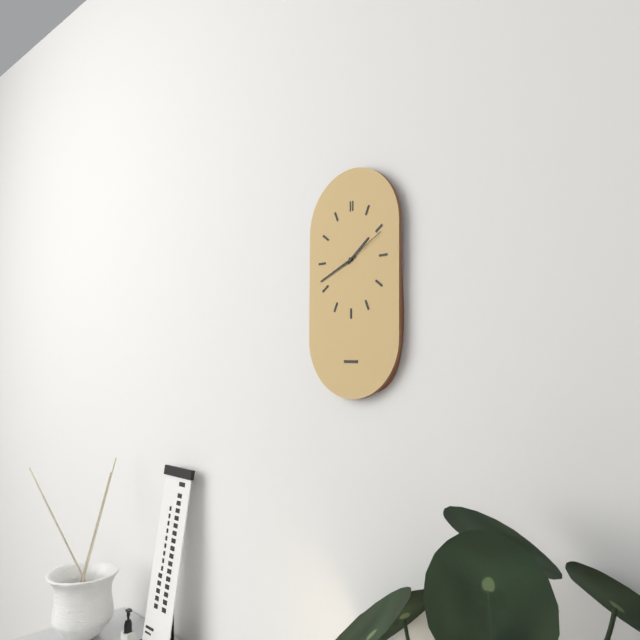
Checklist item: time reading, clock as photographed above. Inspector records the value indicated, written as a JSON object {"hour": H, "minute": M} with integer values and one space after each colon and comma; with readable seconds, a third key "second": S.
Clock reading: {"hour": 1, "minute": 41, "second": 10}
